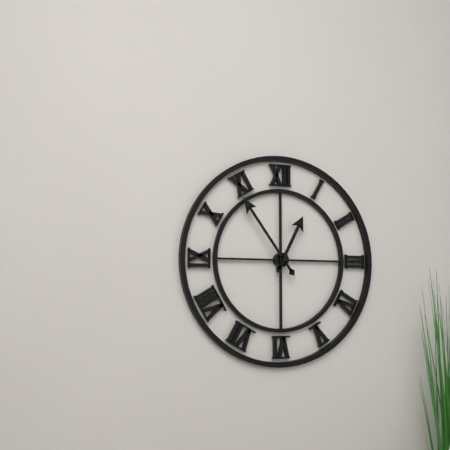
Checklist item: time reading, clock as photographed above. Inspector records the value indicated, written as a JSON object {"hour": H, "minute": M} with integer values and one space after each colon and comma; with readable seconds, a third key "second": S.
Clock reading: {"hour": 12, "minute": 54}
